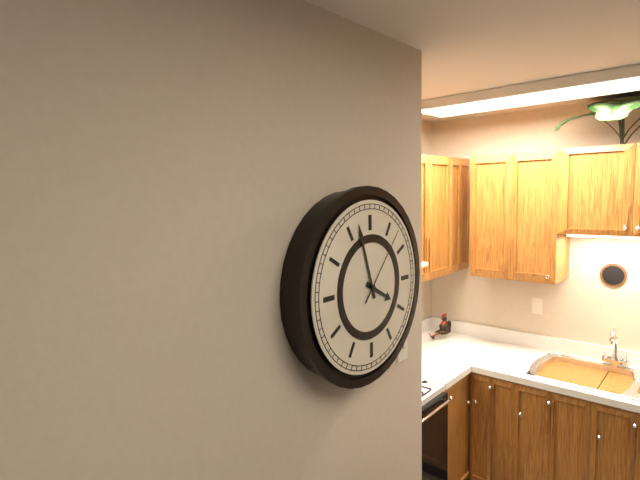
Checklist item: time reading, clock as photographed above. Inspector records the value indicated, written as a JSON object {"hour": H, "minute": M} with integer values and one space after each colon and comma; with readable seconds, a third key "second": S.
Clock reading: {"hour": 3, "minute": 57, "second": 7}
